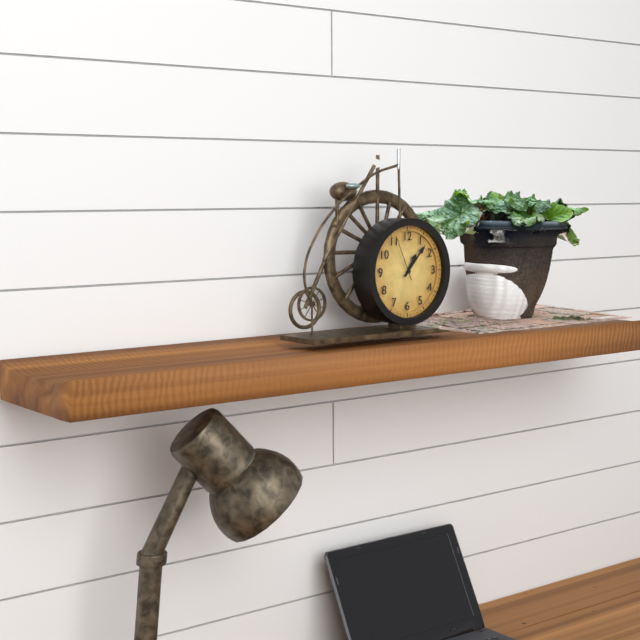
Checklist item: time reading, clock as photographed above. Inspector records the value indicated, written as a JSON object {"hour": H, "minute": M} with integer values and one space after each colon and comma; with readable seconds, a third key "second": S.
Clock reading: {"hour": 1, "minute": 7}
